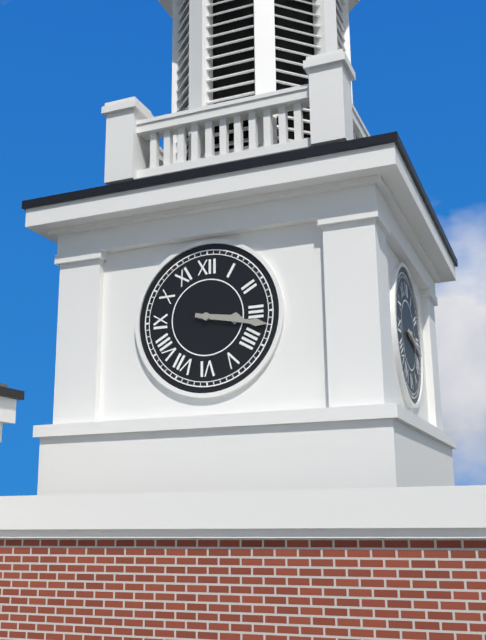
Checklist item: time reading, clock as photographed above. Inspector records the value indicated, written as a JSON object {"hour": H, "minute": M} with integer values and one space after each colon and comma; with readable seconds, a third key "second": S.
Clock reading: {"hour": 3, "minute": 17}
